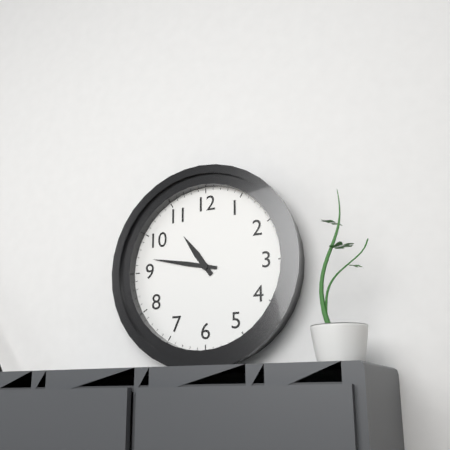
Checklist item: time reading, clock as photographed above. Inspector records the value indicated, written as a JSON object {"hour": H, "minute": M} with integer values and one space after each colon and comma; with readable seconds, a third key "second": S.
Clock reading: {"hour": 10, "minute": 47}
